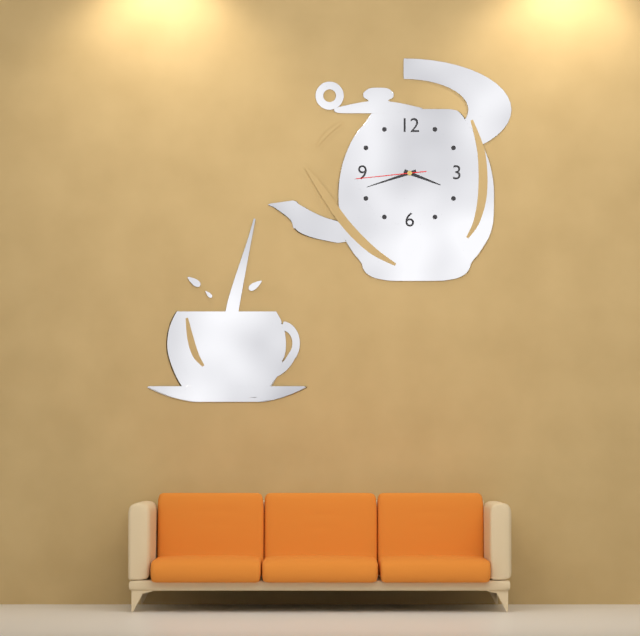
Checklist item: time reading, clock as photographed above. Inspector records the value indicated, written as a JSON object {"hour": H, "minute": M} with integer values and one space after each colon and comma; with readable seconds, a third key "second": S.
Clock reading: {"hour": 3, "minute": 42, "second": 44}
